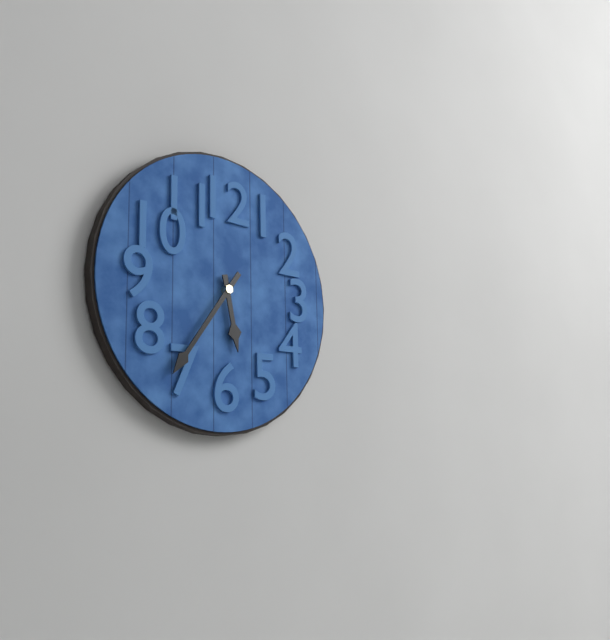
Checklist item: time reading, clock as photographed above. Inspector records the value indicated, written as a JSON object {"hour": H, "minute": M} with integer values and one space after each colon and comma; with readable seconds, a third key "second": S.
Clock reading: {"hour": 5, "minute": 36}
